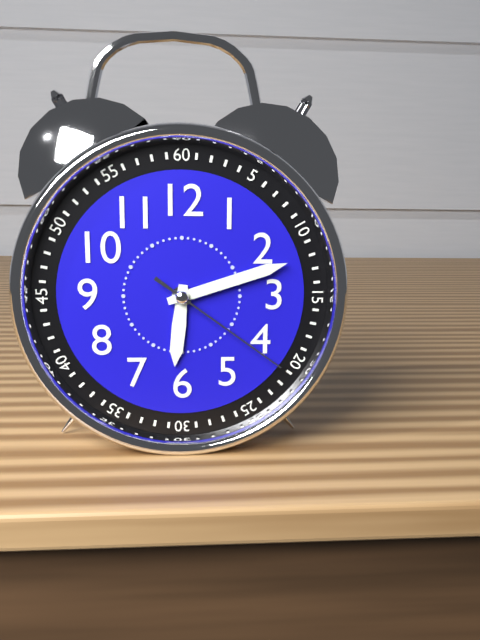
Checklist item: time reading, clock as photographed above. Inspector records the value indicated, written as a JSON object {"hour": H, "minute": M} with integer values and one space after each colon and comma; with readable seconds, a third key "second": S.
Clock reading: {"hour": 6, "minute": 12, "second": 21}
